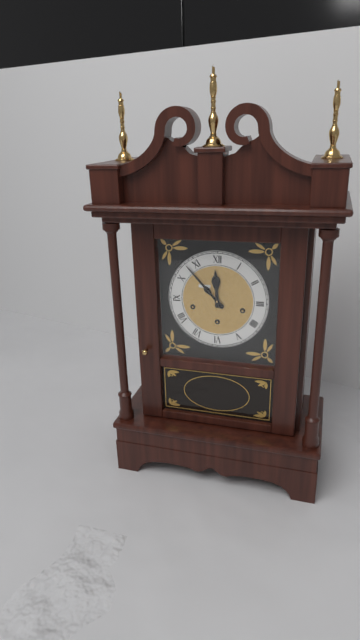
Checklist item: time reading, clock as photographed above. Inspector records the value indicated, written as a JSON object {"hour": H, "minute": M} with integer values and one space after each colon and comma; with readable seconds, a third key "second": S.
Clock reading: {"hour": 11, "minute": 53}
